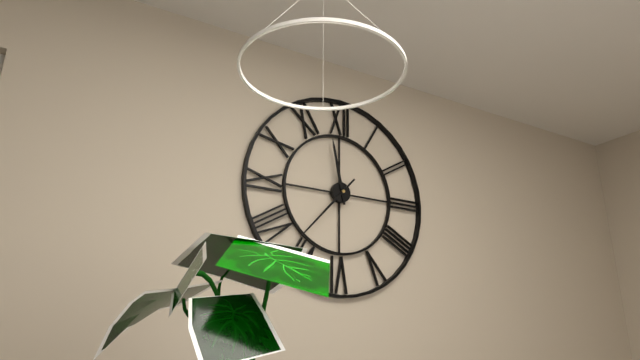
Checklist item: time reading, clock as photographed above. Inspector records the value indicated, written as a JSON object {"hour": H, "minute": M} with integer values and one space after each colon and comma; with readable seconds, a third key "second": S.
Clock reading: {"hour": 11, "minute": 37}
